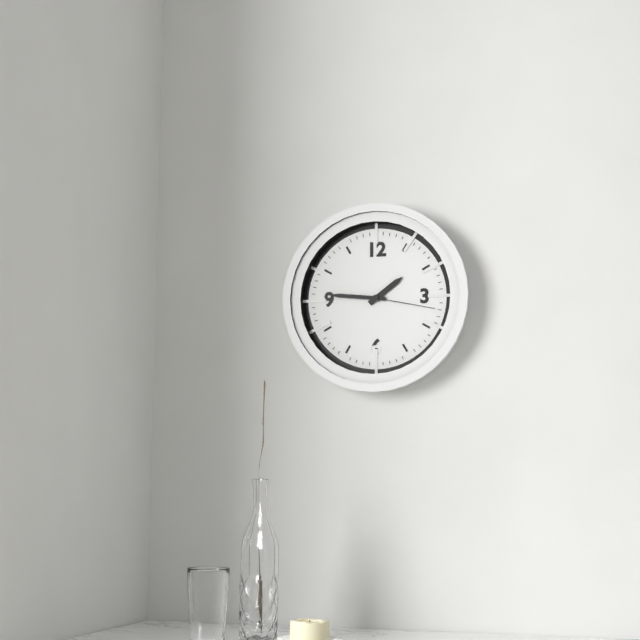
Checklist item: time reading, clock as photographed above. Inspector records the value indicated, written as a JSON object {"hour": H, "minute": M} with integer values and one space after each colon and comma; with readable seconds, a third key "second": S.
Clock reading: {"hour": 1, "minute": 46, "second": 17}
